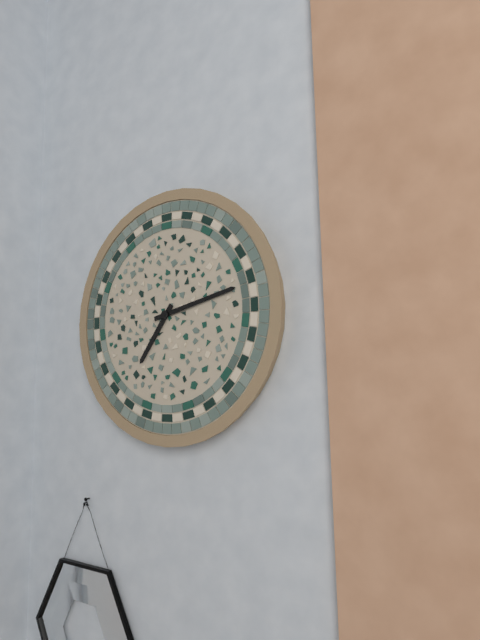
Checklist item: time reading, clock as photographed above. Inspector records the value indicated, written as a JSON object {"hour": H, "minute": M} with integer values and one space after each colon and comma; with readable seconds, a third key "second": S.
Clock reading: {"hour": 7, "minute": 13}
